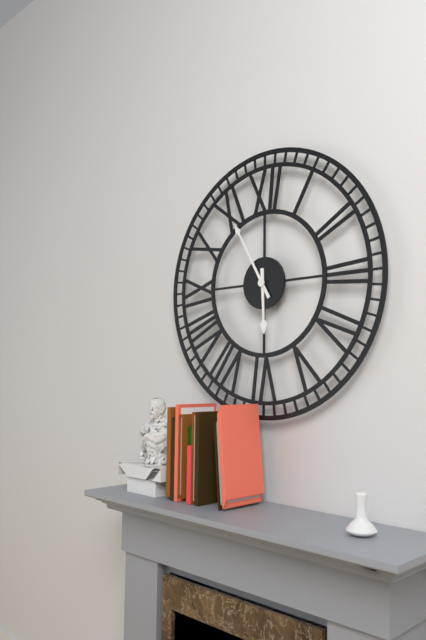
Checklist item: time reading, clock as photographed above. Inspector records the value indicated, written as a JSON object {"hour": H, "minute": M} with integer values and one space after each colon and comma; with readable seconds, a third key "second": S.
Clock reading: {"hour": 5, "minute": 55}
